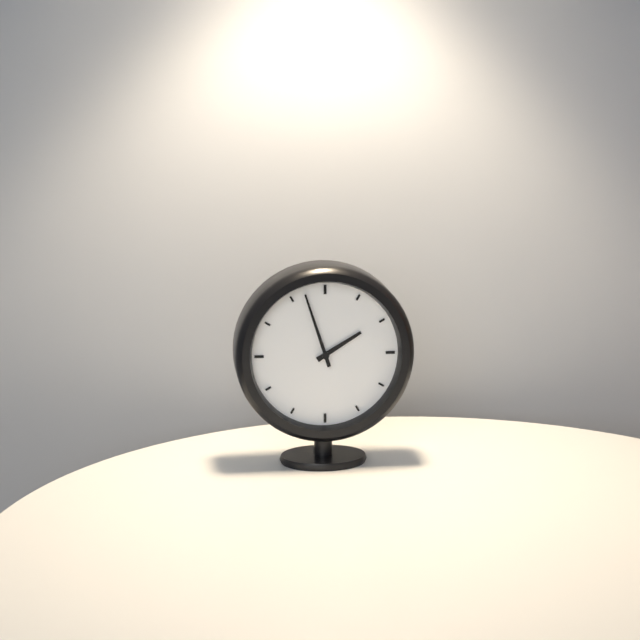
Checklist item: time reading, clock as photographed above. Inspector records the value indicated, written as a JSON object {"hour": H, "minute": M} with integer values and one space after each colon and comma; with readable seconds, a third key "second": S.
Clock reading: {"hour": 1, "minute": 57}
